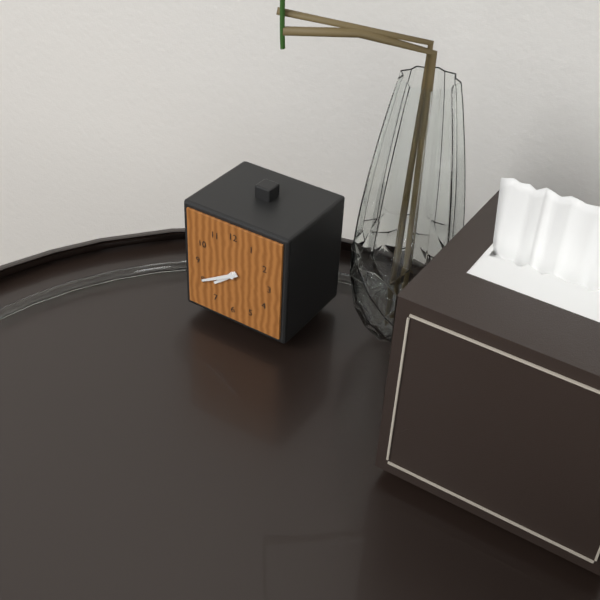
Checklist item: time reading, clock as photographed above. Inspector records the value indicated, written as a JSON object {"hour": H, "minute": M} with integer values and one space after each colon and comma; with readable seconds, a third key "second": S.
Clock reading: {"hour": 7, "minute": 40}
